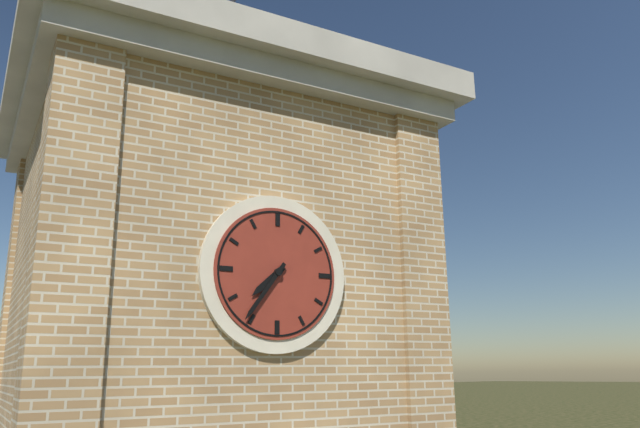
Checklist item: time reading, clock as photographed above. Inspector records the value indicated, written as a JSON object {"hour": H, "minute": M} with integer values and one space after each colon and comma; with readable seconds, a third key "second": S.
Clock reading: {"hour": 7, "minute": 36}
